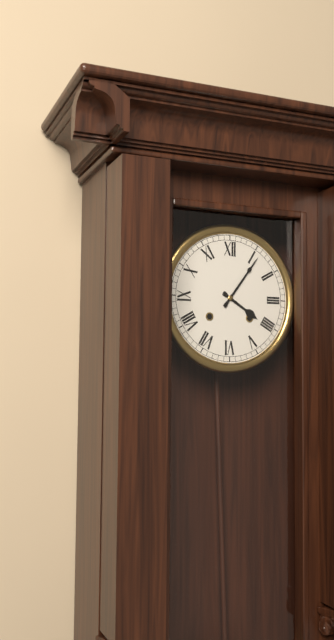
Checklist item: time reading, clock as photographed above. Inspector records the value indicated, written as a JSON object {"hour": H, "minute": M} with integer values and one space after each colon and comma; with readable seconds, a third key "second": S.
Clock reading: {"hour": 4, "minute": 6}
